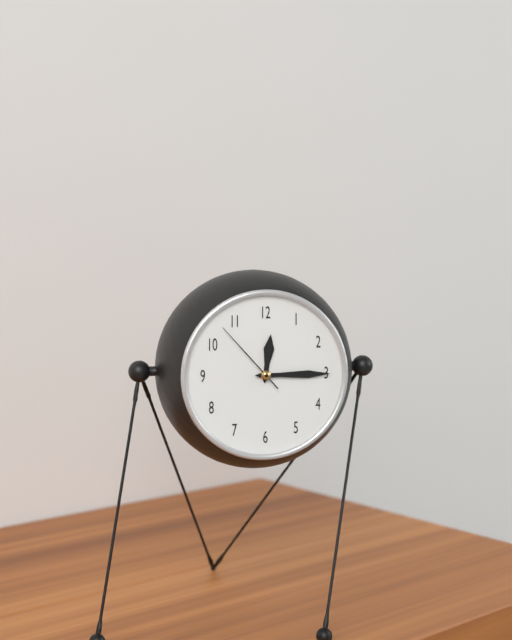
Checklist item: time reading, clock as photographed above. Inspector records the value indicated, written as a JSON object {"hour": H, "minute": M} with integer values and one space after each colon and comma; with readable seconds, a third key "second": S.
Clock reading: {"hour": 12, "minute": 15, "second": 53}
